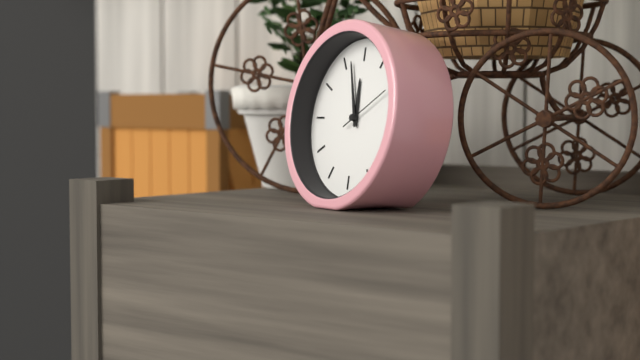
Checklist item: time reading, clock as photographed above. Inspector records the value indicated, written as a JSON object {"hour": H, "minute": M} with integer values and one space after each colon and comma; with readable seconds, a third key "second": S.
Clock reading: {"hour": 11, "minute": 57}
